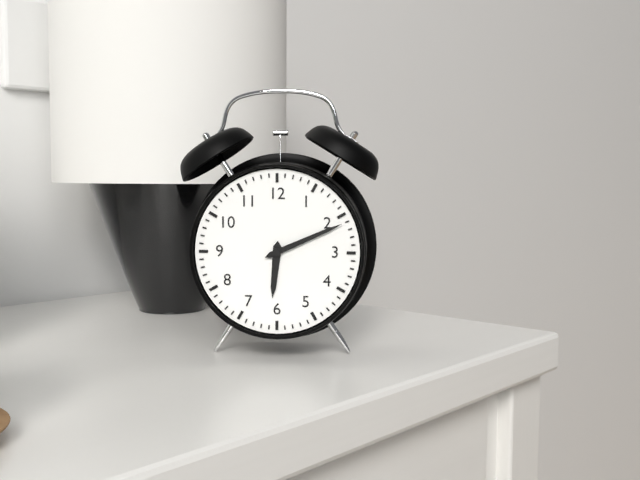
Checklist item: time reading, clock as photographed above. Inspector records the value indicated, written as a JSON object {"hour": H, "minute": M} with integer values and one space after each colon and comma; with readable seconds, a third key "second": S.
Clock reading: {"hour": 6, "minute": 11}
